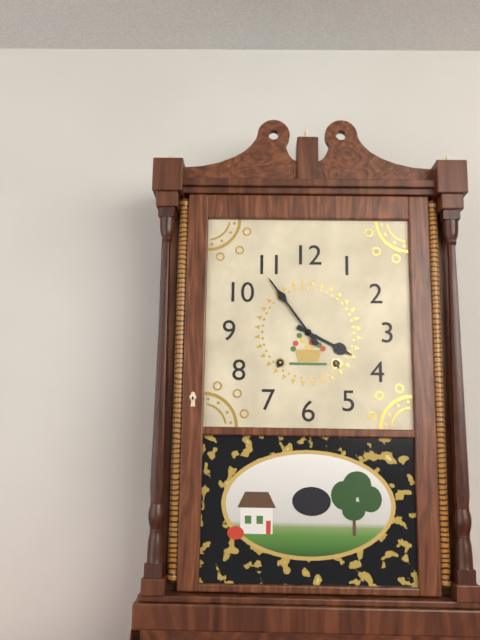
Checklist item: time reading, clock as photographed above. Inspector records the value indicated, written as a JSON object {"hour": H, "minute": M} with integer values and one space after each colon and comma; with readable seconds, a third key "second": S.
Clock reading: {"hour": 3, "minute": 54}
